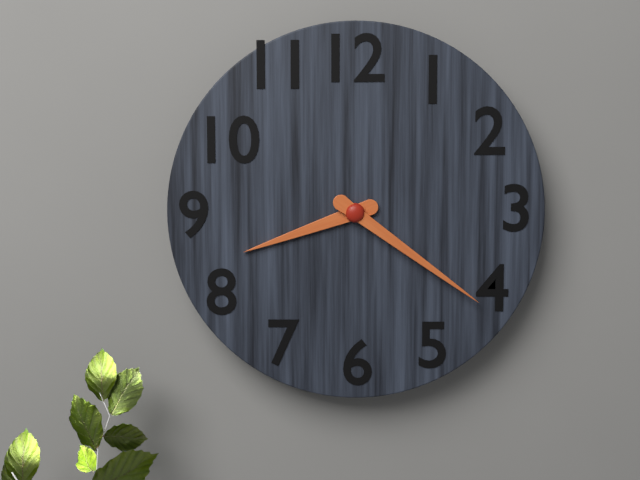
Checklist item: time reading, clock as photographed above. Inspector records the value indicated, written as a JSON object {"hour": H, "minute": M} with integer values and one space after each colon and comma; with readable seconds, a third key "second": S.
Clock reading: {"hour": 8, "minute": 21}
